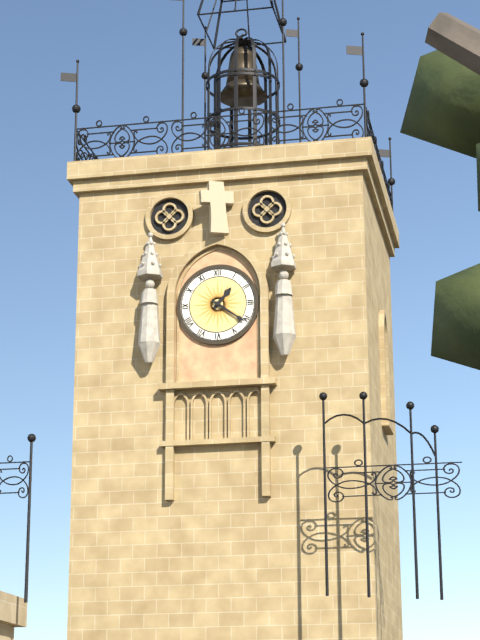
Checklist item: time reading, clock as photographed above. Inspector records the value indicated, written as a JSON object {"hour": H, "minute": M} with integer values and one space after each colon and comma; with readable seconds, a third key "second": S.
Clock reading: {"hour": 1, "minute": 21}
